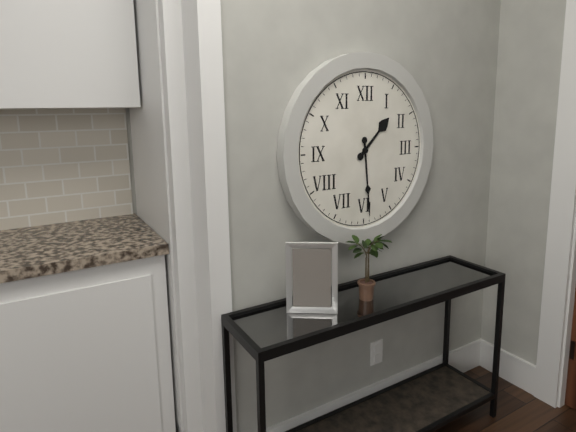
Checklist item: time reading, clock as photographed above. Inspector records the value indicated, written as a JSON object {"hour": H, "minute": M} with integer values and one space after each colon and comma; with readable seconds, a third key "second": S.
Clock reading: {"hour": 1, "minute": 29}
